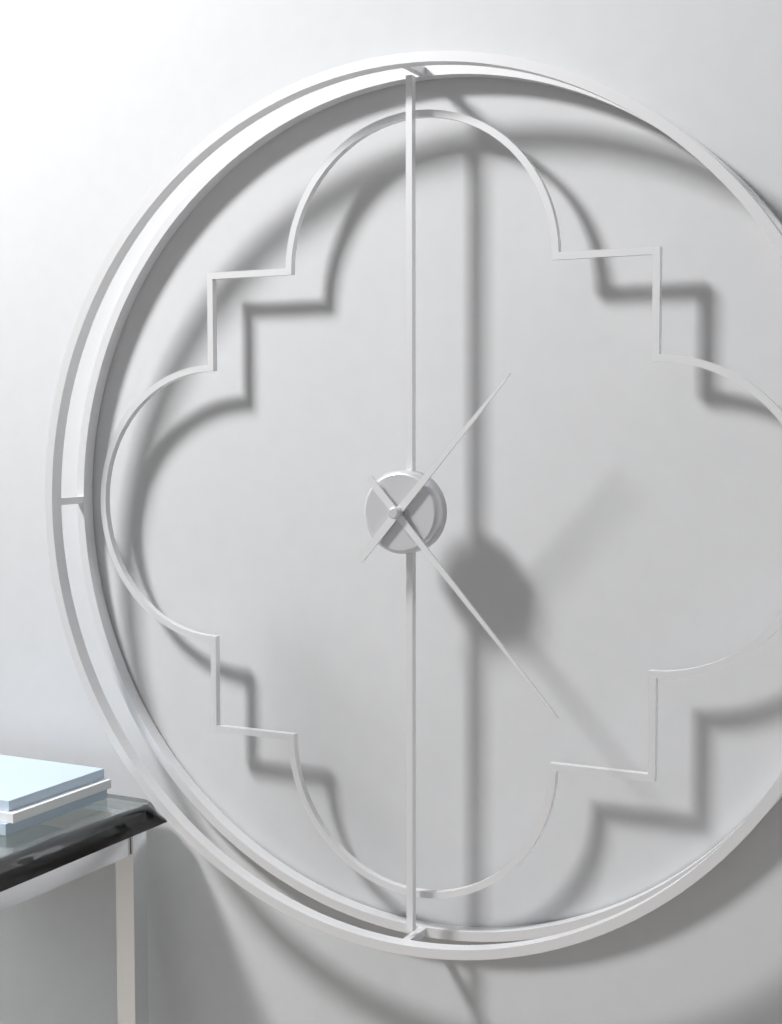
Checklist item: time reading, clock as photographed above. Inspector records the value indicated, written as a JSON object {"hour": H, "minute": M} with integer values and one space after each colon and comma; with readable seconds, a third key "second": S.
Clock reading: {"hour": 1, "minute": 23}
